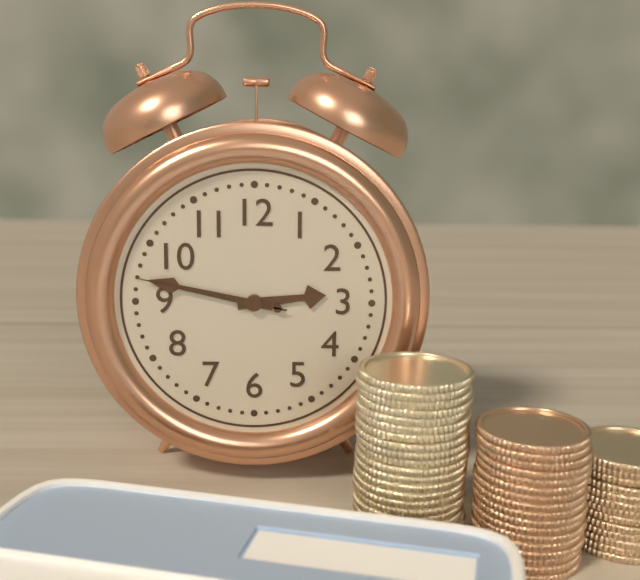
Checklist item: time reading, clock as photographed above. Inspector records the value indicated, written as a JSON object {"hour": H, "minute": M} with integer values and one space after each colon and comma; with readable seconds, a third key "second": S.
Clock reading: {"hour": 2, "minute": 47, "second": 47}
